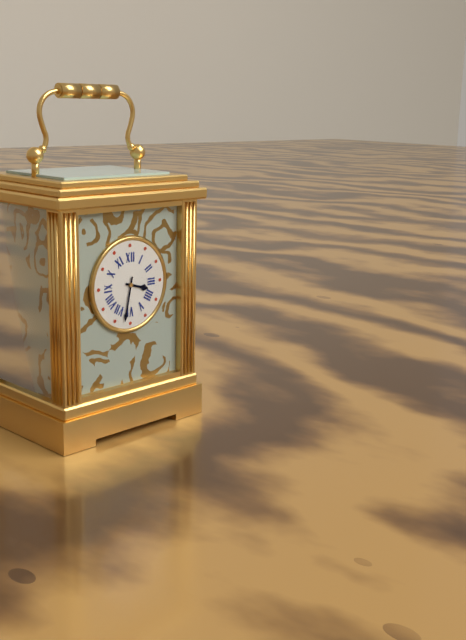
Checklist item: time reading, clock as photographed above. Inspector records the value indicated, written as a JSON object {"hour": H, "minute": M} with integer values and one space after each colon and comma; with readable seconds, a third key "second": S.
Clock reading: {"hour": 3, "minute": 32}
